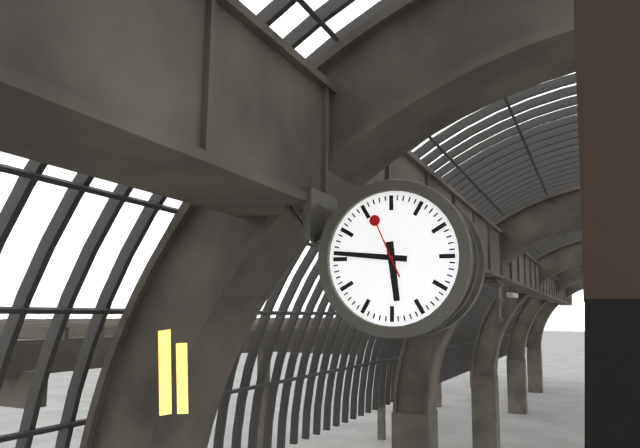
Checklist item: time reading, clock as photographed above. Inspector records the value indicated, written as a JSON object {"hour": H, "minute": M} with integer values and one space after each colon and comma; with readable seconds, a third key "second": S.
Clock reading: {"hour": 5, "minute": 46, "second": 56}
